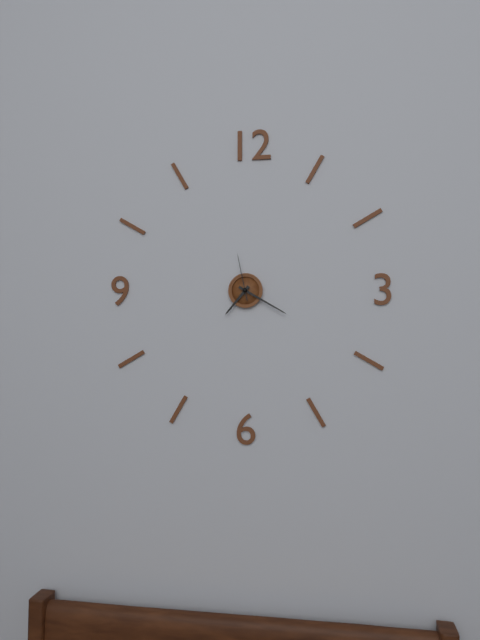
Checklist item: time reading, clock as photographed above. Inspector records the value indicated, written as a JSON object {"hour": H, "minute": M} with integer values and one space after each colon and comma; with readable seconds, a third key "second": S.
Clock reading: {"hour": 7, "minute": 20}
